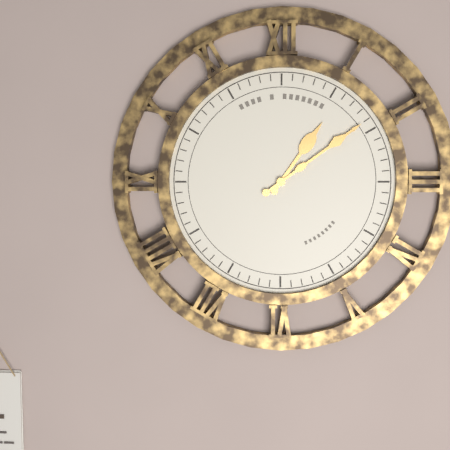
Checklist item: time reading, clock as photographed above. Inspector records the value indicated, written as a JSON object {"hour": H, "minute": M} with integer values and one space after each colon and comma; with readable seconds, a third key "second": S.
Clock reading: {"hour": 1, "minute": 9}
